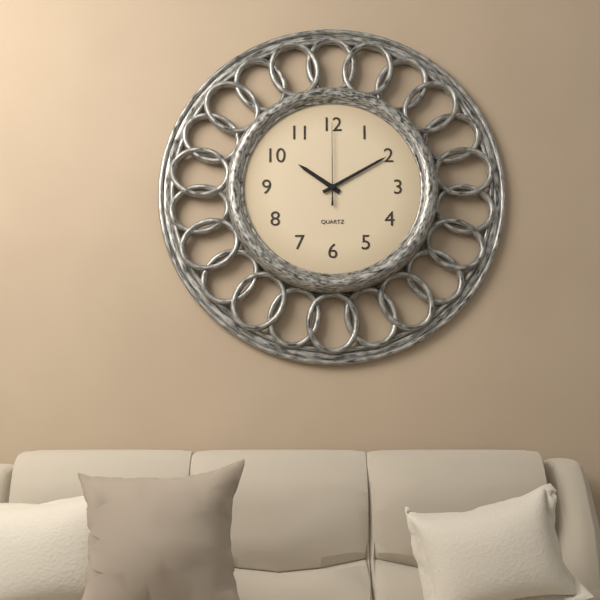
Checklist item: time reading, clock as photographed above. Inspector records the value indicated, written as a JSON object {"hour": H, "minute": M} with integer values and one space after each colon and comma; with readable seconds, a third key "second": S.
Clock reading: {"hour": 10, "minute": 10, "second": 0}
